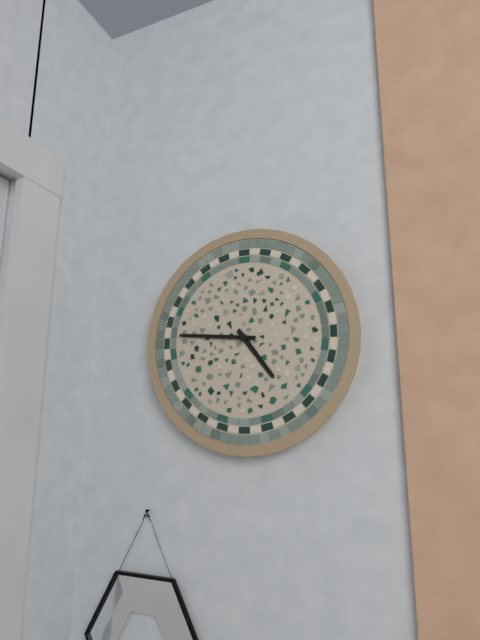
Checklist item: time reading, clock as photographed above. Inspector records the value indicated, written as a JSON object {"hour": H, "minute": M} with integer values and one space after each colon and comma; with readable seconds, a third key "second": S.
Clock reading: {"hour": 4, "minute": 46}
